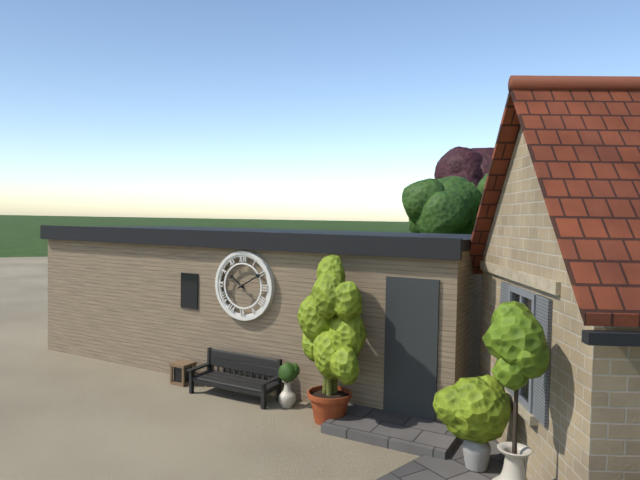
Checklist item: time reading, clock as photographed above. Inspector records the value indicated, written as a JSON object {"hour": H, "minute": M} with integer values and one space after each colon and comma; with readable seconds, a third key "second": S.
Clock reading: {"hour": 10, "minute": 10}
